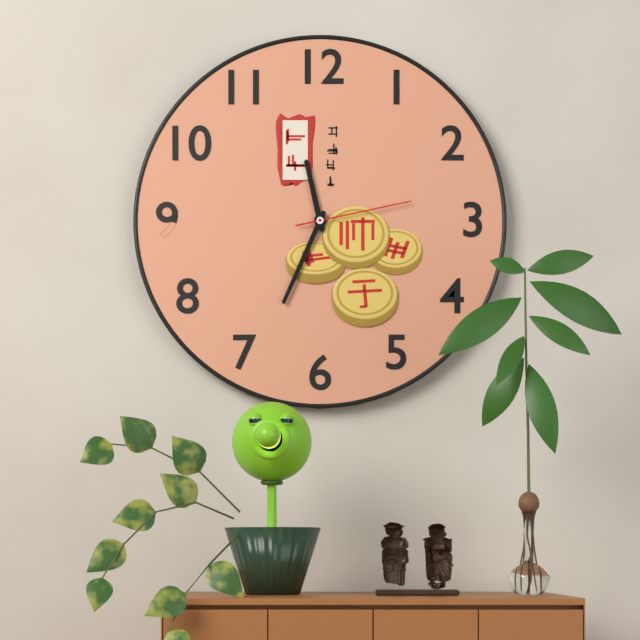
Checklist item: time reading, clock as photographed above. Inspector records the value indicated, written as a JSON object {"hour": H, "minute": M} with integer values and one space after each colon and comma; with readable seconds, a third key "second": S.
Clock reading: {"hour": 11, "minute": 34, "second": 13}
